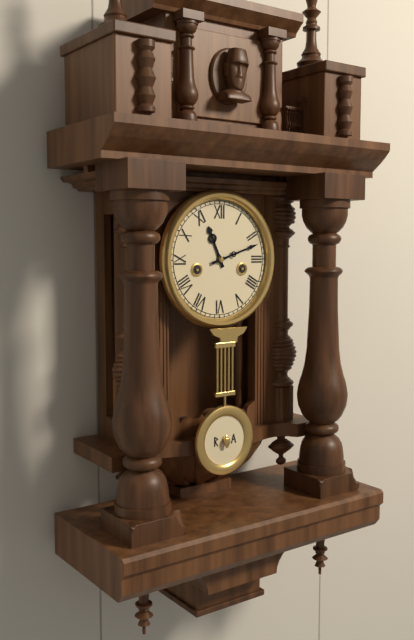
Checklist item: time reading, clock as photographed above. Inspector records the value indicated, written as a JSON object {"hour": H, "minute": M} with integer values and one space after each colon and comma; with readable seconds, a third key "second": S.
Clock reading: {"hour": 11, "minute": 12}
